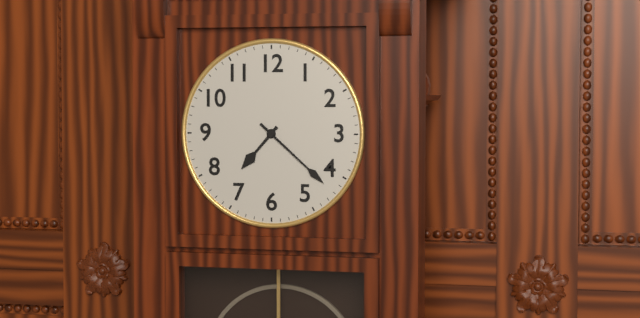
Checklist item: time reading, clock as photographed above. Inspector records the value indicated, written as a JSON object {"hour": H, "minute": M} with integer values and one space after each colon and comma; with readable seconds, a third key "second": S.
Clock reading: {"hour": 7, "minute": 22}
